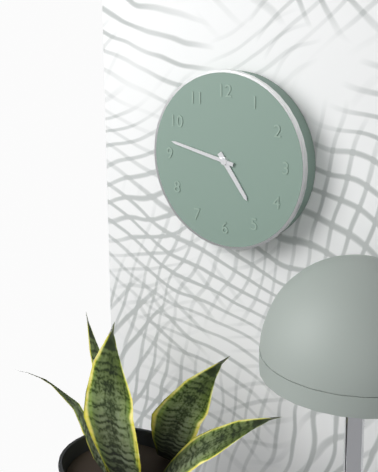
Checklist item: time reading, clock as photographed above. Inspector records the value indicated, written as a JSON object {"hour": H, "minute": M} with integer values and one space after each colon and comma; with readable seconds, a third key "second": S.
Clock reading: {"hour": 4, "minute": 47}
